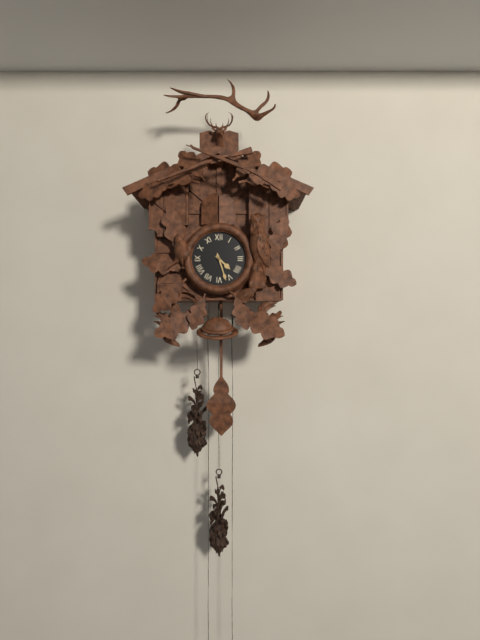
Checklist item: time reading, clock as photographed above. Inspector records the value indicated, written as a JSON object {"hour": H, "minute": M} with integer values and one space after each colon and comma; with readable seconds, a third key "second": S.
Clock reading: {"hour": 4, "minute": 27}
